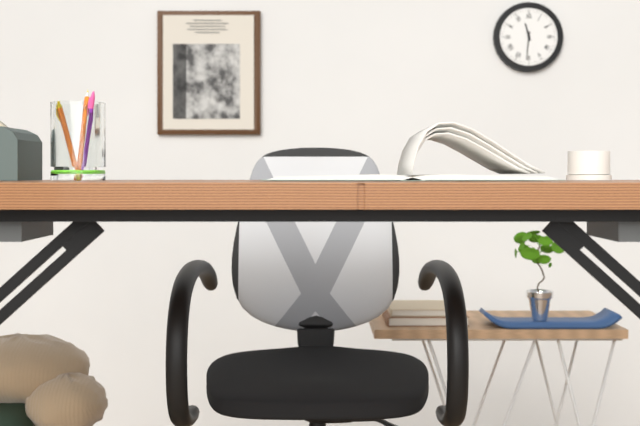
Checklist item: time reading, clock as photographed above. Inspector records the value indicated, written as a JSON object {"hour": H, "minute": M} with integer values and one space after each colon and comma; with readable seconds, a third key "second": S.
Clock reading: {"hour": 11, "minute": 31}
